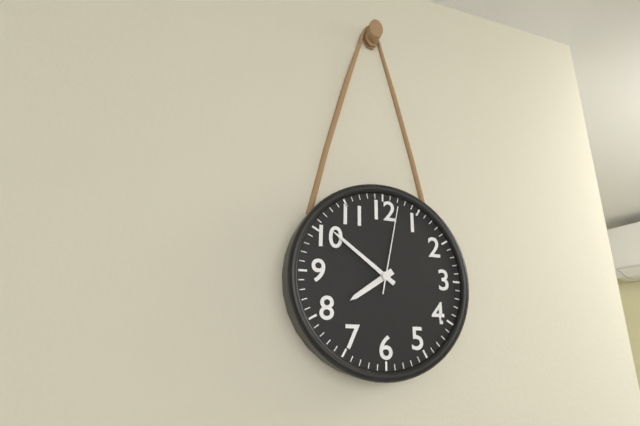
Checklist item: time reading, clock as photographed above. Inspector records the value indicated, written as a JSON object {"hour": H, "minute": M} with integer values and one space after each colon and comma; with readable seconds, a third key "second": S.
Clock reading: {"hour": 7, "minute": 51, "second": 2}
